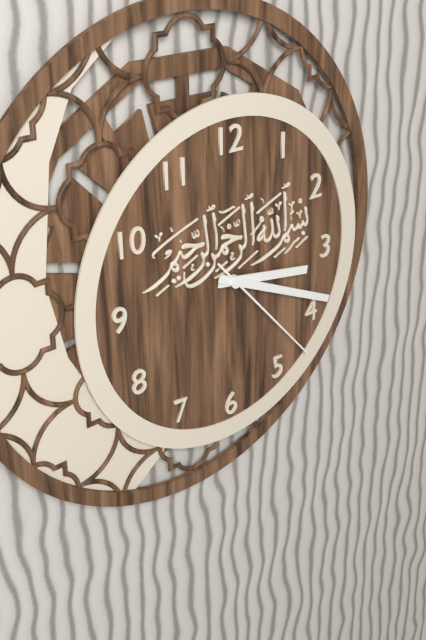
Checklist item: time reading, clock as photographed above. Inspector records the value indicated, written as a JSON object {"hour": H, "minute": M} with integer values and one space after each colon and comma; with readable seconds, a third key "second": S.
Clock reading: {"hour": 3, "minute": 19, "second": 23}
